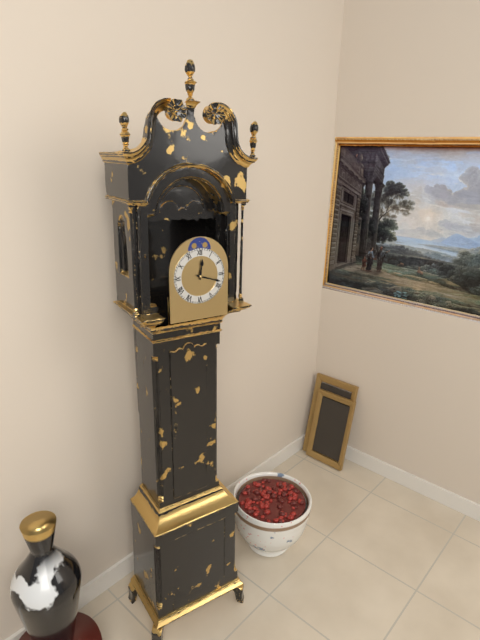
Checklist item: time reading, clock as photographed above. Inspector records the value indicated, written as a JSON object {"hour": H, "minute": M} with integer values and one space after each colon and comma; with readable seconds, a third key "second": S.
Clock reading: {"hour": 12, "minute": 18}
